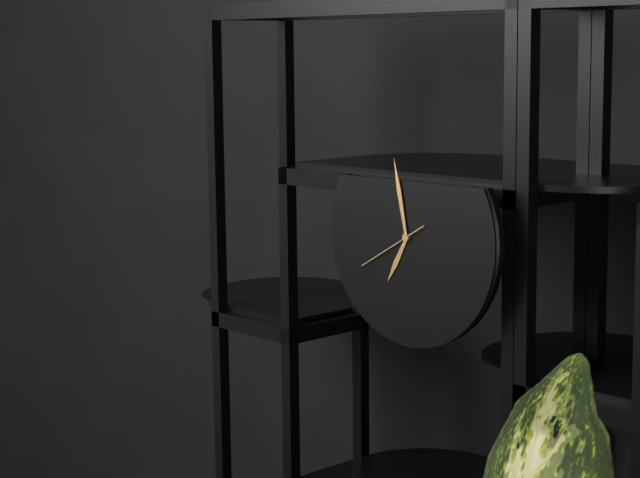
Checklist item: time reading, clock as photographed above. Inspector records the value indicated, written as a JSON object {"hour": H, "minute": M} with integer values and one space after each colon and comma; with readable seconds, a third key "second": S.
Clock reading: {"hour": 6, "minute": 58, "second": 40}
